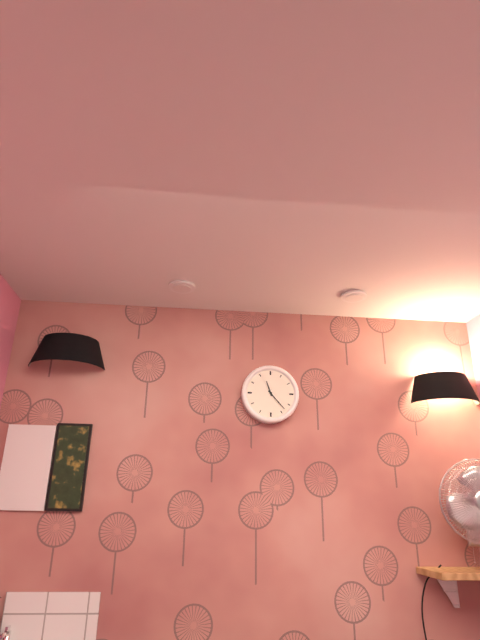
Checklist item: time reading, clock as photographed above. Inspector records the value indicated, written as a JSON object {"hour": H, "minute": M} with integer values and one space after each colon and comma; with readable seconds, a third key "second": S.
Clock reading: {"hour": 11, "minute": 23}
